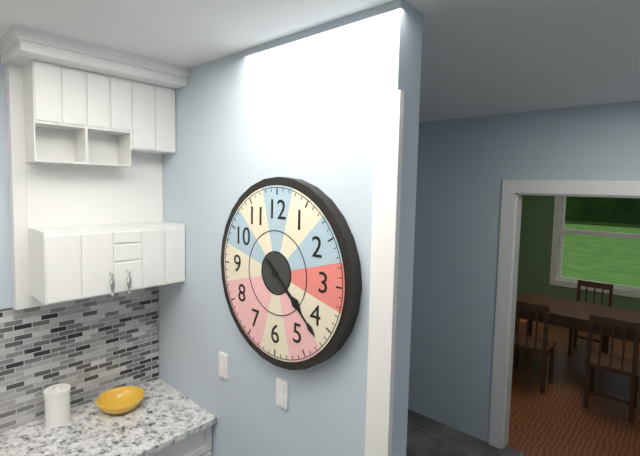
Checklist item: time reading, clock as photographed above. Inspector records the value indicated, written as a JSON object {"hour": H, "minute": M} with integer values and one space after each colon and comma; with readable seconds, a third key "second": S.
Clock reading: {"hour": 4, "minute": 22}
